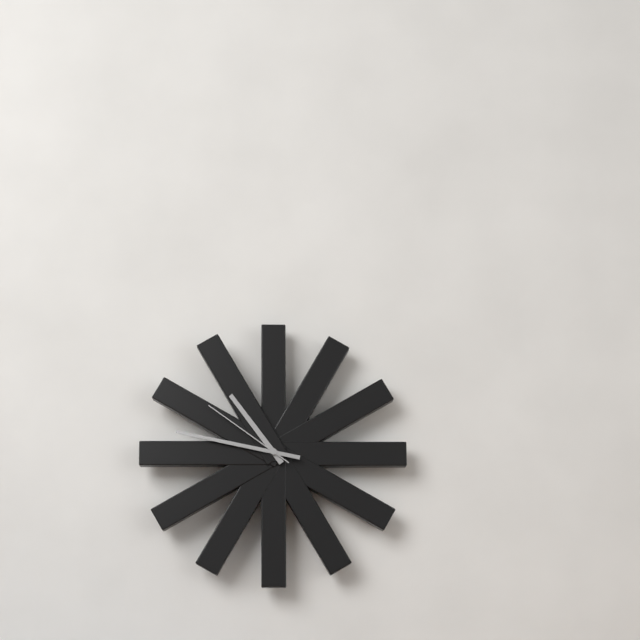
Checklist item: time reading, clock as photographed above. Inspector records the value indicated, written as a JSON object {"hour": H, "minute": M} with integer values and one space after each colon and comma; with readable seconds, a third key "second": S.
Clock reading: {"hour": 10, "minute": 47, "second": 51}
